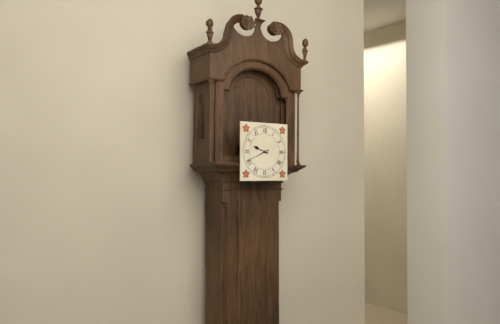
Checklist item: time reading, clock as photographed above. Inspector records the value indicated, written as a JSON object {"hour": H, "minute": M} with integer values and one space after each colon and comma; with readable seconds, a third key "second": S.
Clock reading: {"hour": 9, "minute": 41}
